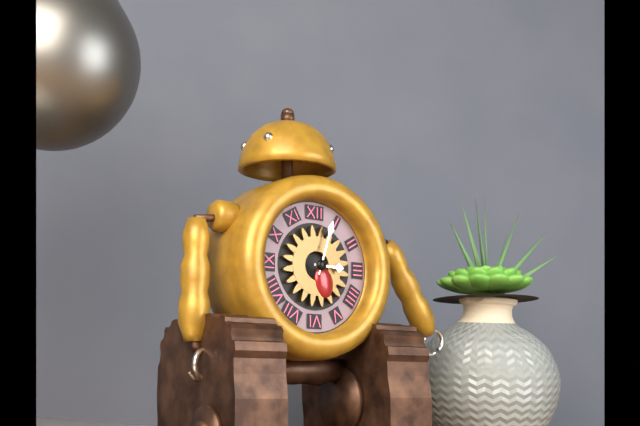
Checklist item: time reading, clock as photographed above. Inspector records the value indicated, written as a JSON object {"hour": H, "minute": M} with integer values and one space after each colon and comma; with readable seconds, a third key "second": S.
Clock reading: {"hour": 3, "minute": 3}
